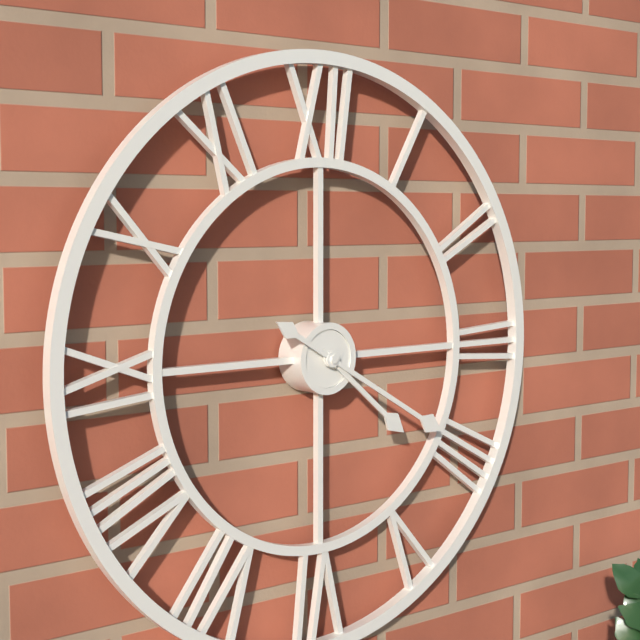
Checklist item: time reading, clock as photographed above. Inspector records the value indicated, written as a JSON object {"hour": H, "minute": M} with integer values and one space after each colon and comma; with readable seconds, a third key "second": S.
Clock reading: {"hour": 4, "minute": 20}
